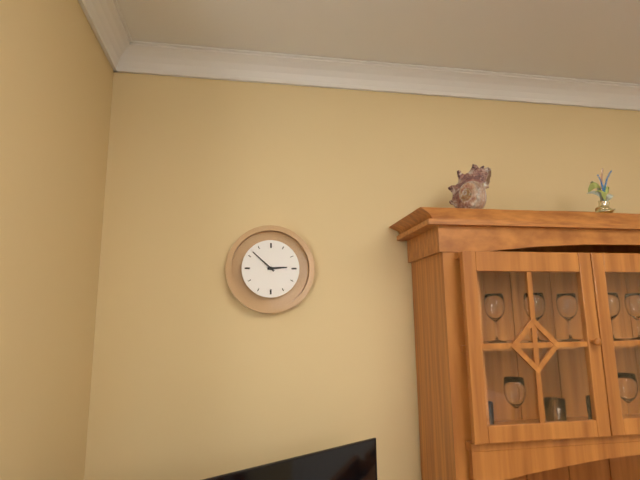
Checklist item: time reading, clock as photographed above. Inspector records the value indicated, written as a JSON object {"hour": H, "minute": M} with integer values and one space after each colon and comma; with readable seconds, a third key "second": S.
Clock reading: {"hour": 2, "minute": 52}
